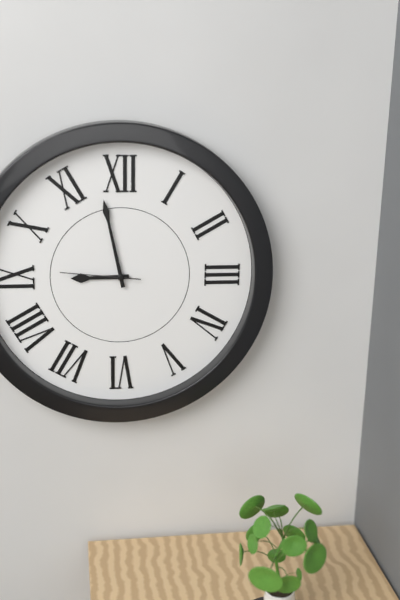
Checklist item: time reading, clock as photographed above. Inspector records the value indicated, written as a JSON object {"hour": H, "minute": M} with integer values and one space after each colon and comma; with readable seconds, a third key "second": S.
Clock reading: {"hour": 8, "minute": 58, "second": 46}
